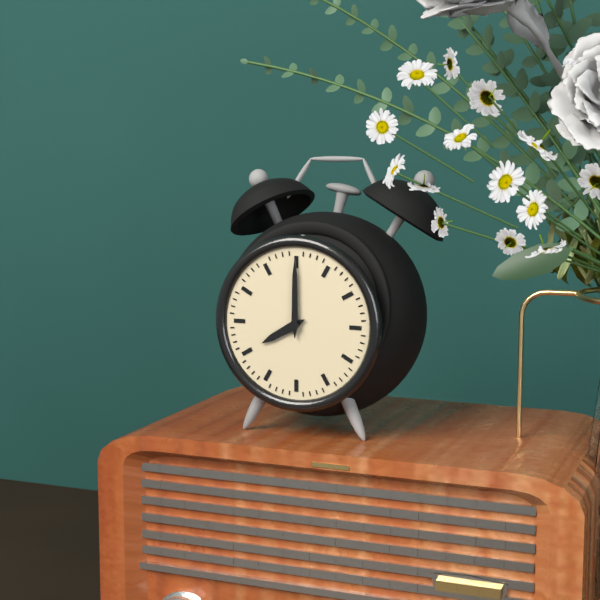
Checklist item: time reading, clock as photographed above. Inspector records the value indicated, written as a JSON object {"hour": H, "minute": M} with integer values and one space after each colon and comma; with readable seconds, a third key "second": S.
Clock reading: {"hour": 8, "minute": 0}
